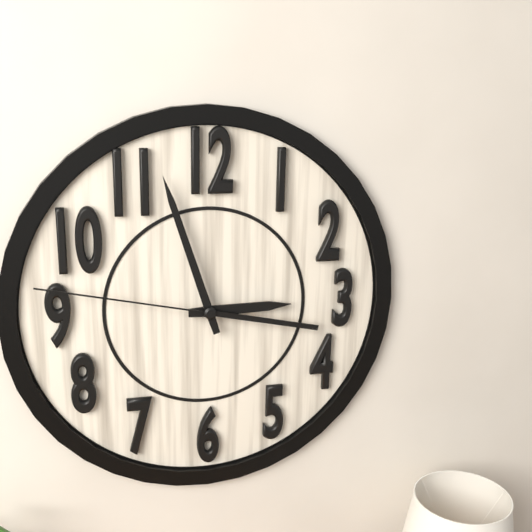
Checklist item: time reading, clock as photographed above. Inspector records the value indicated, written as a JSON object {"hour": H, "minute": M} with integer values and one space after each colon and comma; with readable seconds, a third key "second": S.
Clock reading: {"hour": 2, "minute": 57, "second": 47}
